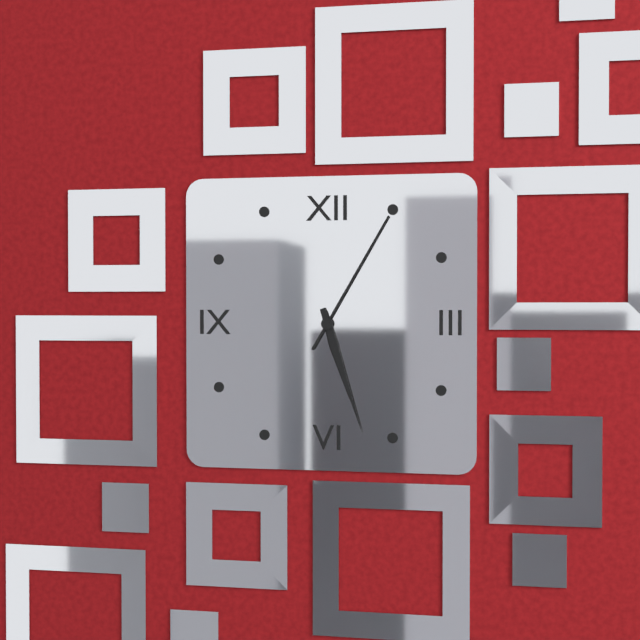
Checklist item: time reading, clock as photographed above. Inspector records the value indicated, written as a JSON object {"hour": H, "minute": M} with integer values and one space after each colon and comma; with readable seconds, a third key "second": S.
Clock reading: {"hour": 5, "minute": 27, "second": 5}
